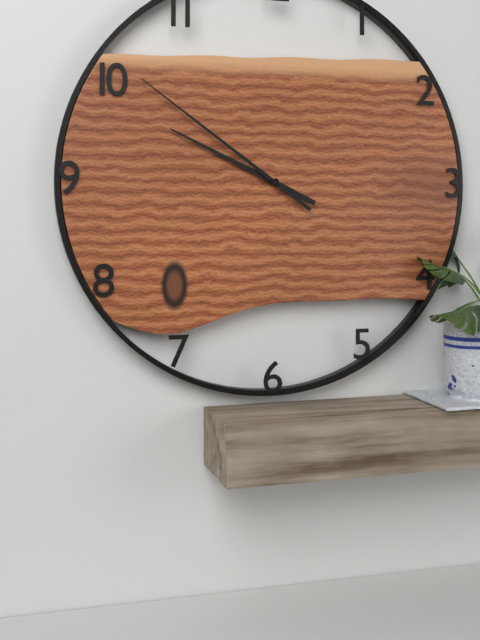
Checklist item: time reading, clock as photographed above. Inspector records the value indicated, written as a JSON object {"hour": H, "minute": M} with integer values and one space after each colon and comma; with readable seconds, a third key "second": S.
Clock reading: {"hour": 9, "minute": 51}
